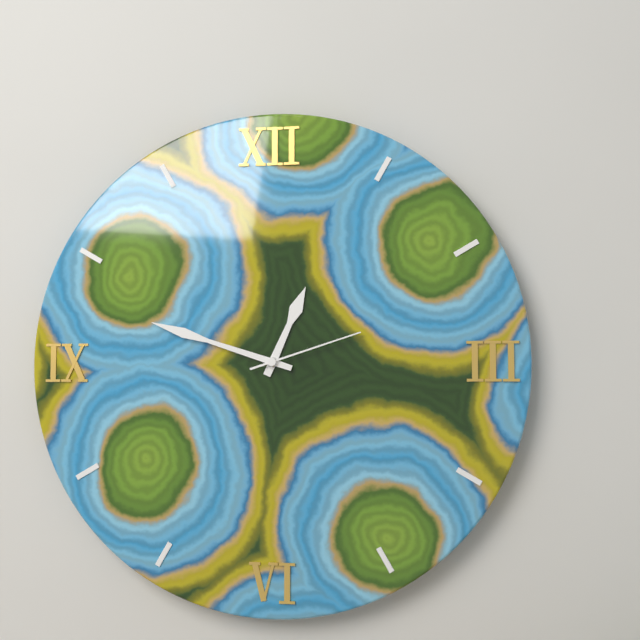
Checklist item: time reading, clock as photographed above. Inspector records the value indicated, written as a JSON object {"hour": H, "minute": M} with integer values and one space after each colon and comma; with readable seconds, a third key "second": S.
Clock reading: {"hour": 12, "minute": 48, "second": 12}
